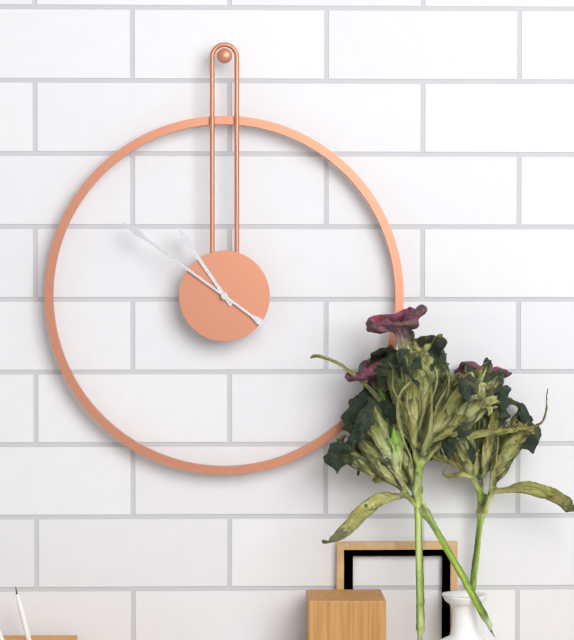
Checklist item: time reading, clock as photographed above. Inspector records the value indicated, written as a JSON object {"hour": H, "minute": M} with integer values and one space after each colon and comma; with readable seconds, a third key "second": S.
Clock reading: {"hour": 10, "minute": 51}
